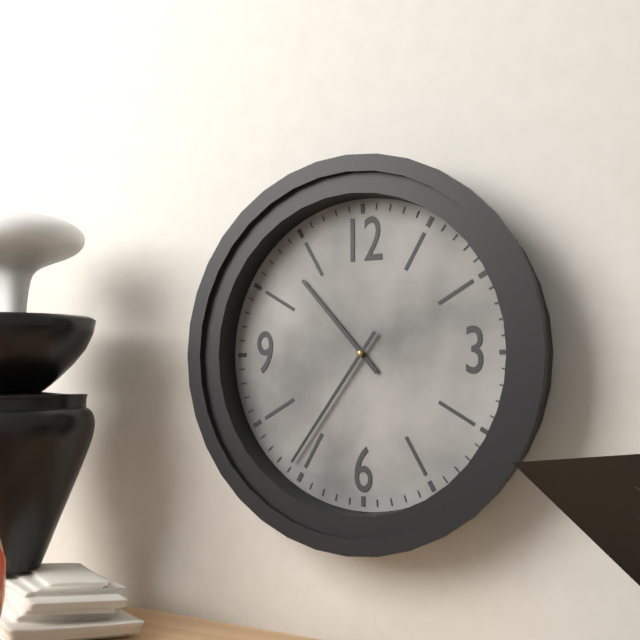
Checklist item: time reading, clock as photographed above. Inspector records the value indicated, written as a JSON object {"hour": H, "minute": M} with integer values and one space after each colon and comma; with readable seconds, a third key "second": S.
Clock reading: {"hour": 10, "minute": 36}
